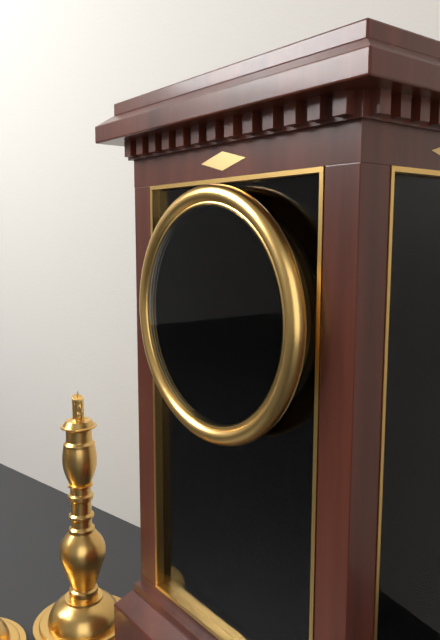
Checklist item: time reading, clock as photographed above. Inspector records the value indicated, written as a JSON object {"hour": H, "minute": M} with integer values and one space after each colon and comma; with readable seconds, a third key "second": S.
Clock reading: {"hour": 6, "minute": 11}
